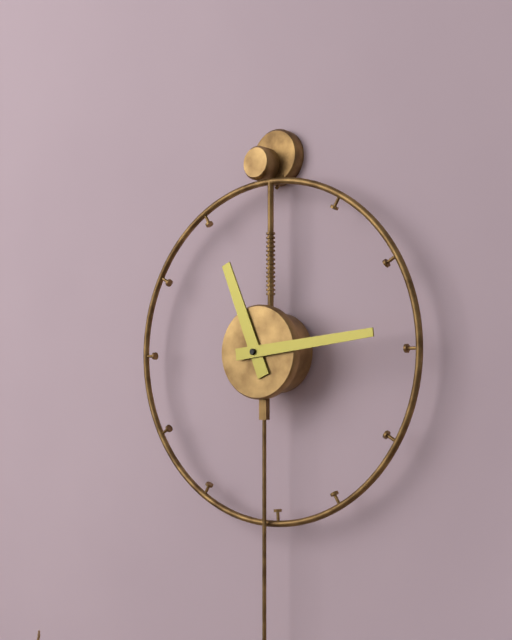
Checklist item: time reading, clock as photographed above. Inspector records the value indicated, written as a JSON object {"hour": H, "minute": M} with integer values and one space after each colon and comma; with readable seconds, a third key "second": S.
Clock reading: {"hour": 11, "minute": 14}
